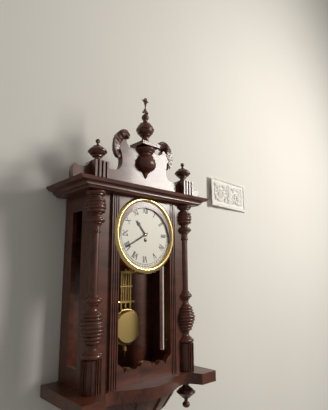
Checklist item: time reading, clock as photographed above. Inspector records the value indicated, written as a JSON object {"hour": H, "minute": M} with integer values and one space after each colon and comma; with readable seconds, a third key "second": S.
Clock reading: {"hour": 10, "minute": 40}
